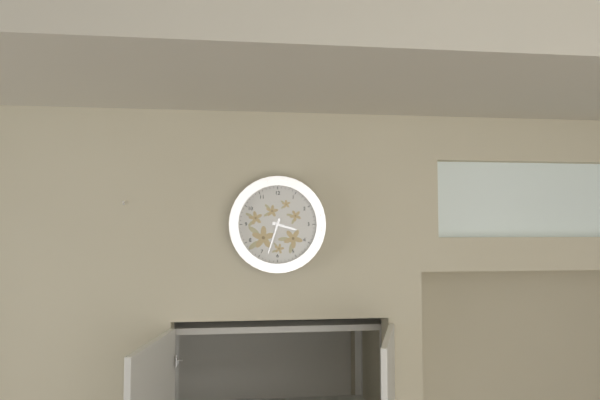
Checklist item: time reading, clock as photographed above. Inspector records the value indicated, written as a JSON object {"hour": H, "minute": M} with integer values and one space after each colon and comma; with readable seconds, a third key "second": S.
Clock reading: {"hour": 3, "minute": 33}
